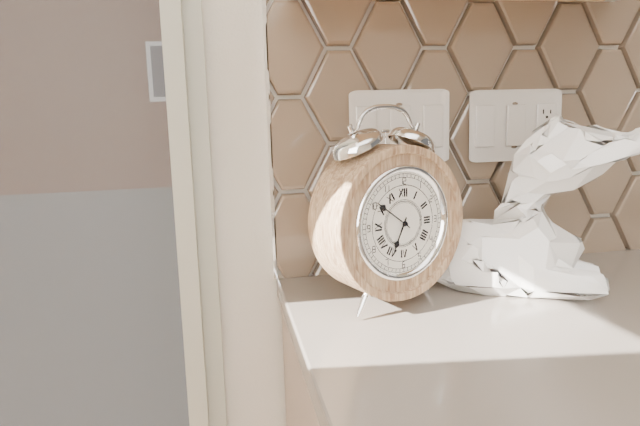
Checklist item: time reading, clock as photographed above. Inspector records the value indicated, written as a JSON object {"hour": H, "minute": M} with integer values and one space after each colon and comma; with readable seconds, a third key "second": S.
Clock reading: {"hour": 6, "minute": 51}
